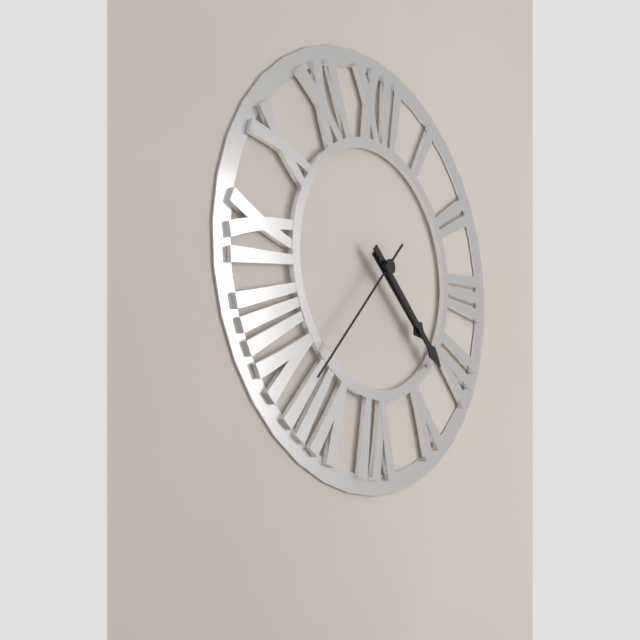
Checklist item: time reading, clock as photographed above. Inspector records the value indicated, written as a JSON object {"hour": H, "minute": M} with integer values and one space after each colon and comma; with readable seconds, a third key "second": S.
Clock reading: {"hour": 4, "minute": 22, "second": 37}
